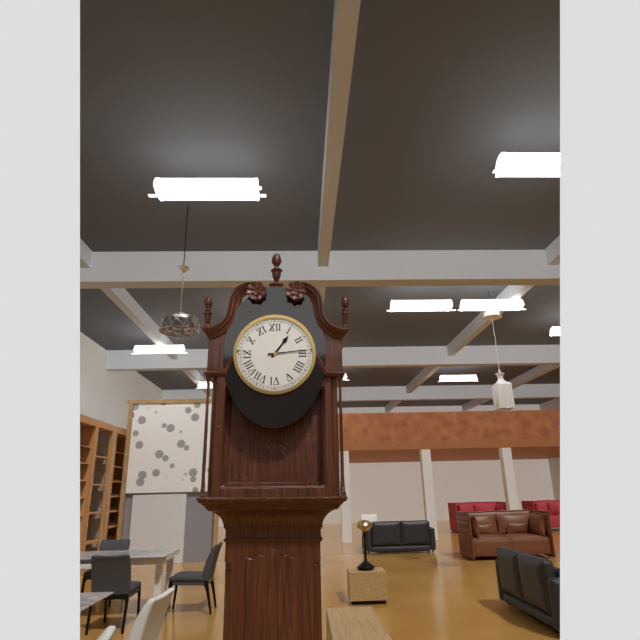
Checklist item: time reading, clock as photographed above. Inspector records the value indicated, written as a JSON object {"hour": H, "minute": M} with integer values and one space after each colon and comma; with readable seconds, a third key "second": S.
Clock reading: {"hour": 1, "minute": 14}
